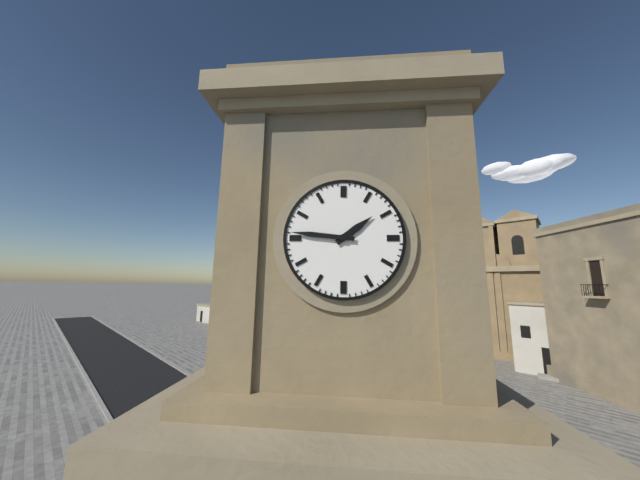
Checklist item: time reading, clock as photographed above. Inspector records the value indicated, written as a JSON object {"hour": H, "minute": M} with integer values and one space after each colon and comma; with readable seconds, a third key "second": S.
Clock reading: {"hour": 1, "minute": 46}
